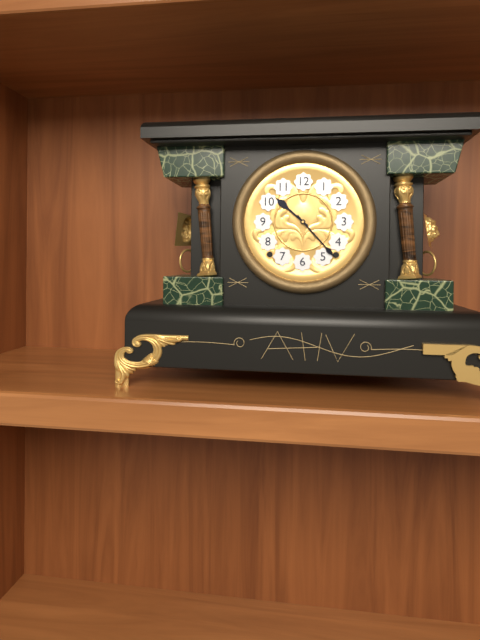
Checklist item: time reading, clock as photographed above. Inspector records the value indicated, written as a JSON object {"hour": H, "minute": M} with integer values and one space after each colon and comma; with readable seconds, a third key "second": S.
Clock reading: {"hour": 10, "minute": 23}
